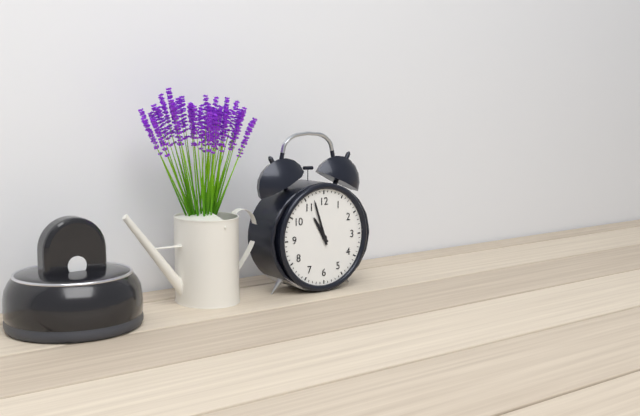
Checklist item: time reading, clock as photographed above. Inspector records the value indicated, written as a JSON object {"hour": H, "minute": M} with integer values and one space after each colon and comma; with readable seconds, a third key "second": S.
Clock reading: {"hour": 10, "minute": 57}
